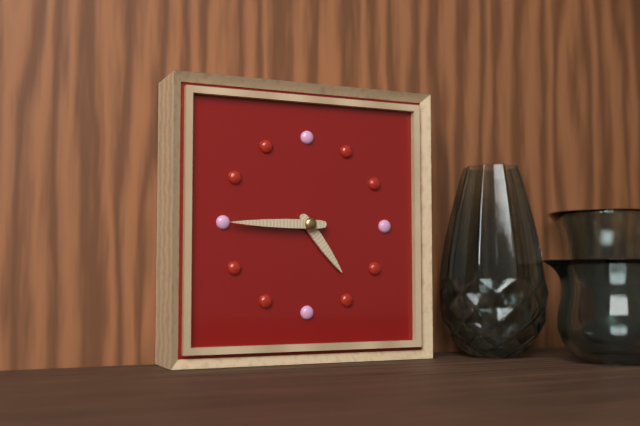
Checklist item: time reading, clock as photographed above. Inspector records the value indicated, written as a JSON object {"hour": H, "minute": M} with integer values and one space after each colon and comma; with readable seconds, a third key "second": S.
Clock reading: {"hour": 4, "minute": 45}
